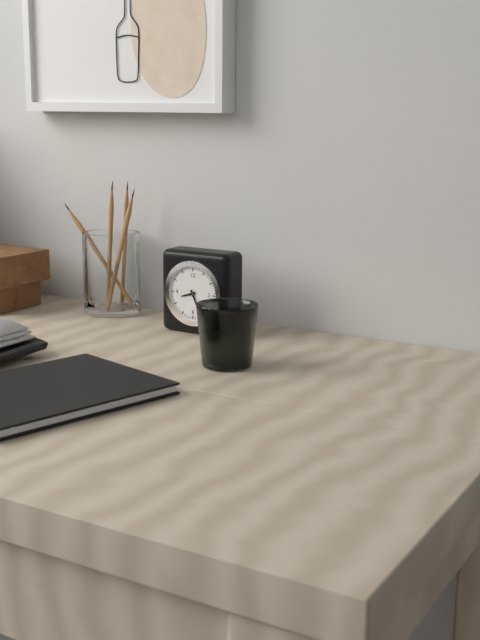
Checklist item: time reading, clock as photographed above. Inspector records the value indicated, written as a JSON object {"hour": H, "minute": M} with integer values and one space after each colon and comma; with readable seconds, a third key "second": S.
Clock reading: {"hour": 8, "minute": 26}
